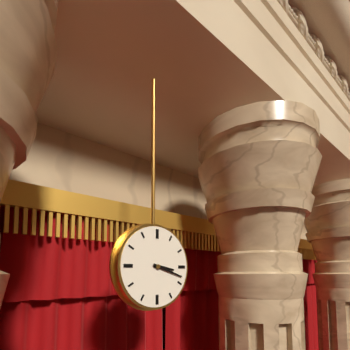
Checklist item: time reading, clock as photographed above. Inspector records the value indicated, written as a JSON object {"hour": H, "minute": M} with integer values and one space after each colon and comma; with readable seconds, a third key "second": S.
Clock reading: {"hour": 3, "minute": 18}
